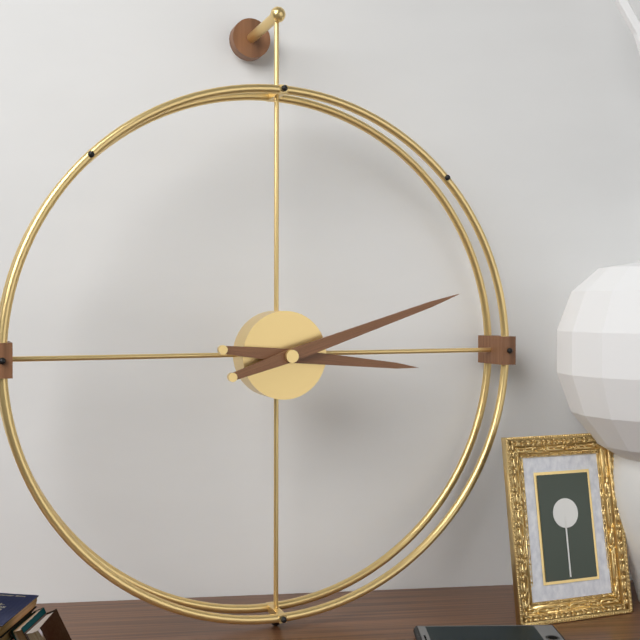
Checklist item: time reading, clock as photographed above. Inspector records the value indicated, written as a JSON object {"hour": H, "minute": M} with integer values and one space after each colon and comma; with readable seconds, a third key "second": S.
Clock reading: {"hour": 3, "minute": 12}
